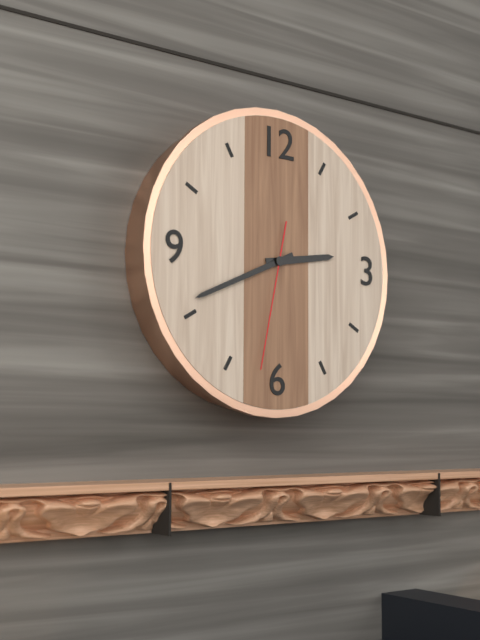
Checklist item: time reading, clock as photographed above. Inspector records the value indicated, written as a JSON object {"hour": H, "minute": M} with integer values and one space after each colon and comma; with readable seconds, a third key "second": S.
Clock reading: {"hour": 2, "minute": 41, "second": 32}
